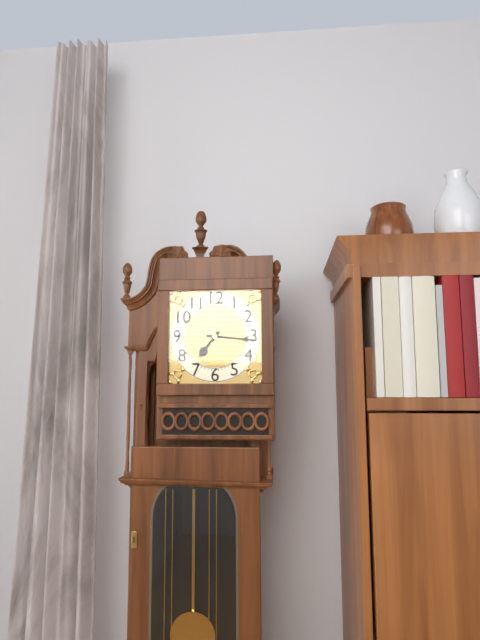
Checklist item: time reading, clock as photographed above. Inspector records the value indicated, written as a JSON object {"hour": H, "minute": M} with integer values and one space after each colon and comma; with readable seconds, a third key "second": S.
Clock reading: {"hour": 7, "minute": 16}
